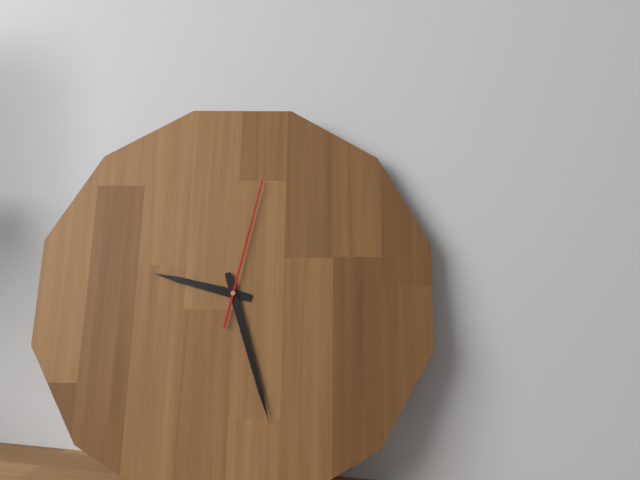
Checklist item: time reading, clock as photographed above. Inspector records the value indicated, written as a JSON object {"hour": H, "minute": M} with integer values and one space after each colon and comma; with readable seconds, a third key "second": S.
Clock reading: {"hour": 9, "minute": 27, "second": 2}
